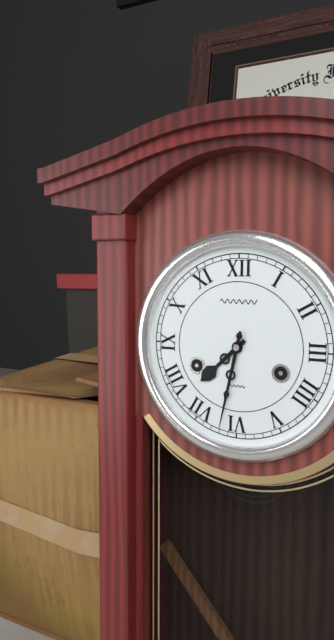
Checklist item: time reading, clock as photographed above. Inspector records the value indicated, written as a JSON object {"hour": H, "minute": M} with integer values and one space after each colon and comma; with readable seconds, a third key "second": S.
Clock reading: {"hour": 7, "minute": 32}
